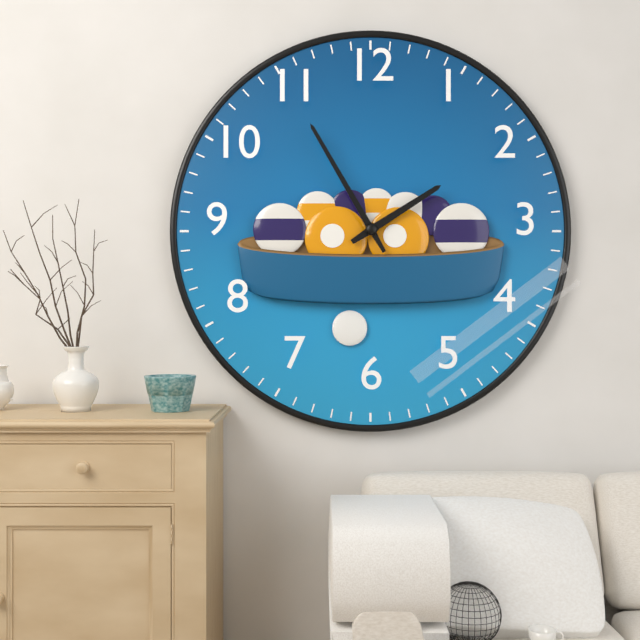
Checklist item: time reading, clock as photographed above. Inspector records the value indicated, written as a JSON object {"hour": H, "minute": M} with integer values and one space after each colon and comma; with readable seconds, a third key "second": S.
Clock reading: {"hour": 1, "minute": 55}
